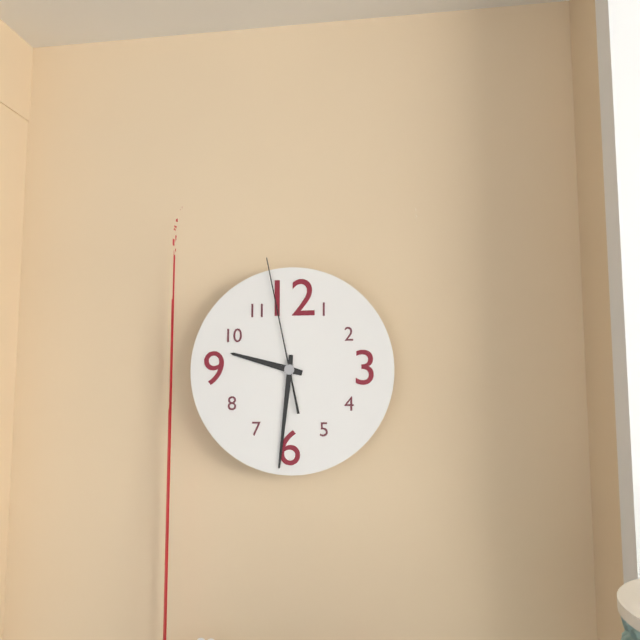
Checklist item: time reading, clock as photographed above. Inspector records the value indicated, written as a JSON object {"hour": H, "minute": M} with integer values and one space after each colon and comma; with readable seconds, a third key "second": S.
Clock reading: {"hour": 9, "minute": 31, "second": 58}
